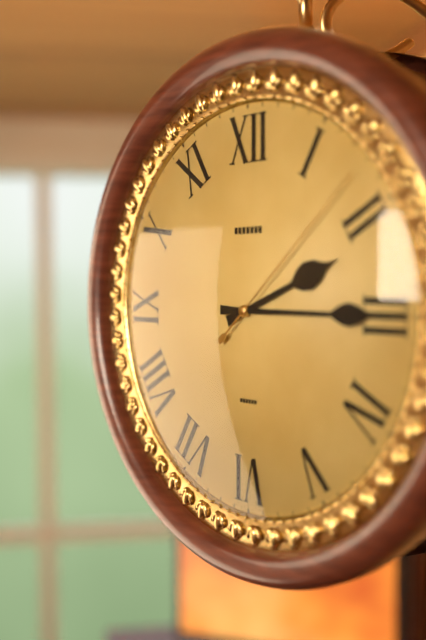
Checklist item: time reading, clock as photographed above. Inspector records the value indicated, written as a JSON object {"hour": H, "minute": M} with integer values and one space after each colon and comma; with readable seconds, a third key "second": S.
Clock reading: {"hour": 2, "minute": 15, "second": 8}
